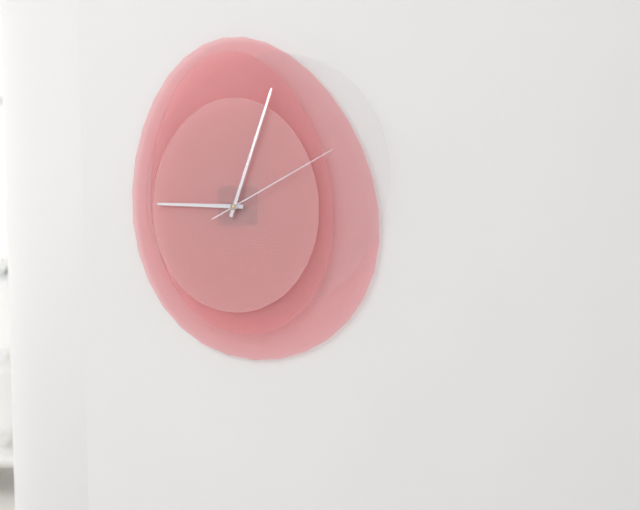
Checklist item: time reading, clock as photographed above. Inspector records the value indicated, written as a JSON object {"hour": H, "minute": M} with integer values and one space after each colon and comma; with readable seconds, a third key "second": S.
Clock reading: {"hour": 9, "minute": 3, "second": 10}
